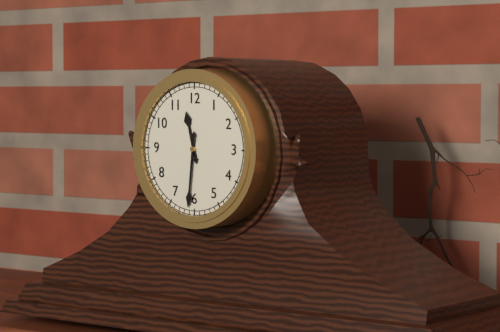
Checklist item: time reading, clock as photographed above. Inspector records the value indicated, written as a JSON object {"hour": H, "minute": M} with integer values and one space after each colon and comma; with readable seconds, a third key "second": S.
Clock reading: {"hour": 11, "minute": 31}
